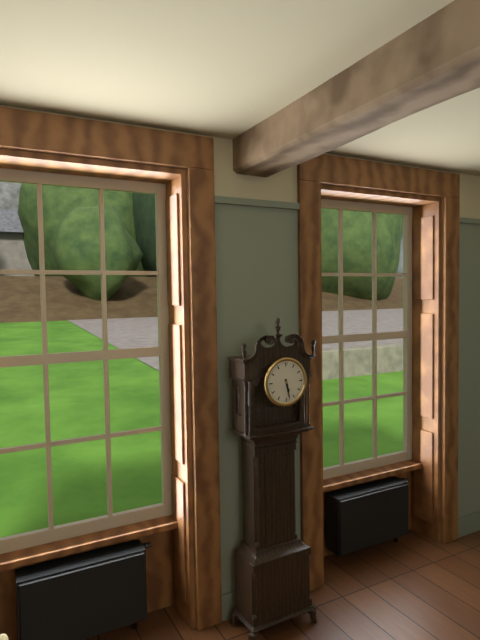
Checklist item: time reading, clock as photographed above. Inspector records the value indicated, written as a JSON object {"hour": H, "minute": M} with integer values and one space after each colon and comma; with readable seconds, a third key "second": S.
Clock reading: {"hour": 5, "minute": 28}
